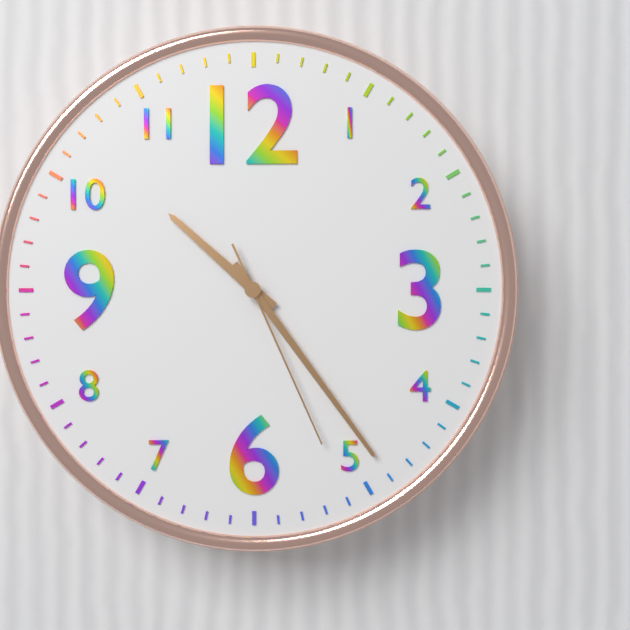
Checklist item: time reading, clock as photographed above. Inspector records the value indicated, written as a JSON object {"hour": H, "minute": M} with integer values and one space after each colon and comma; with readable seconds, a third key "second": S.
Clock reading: {"hour": 10, "minute": 24, "second": 26}
